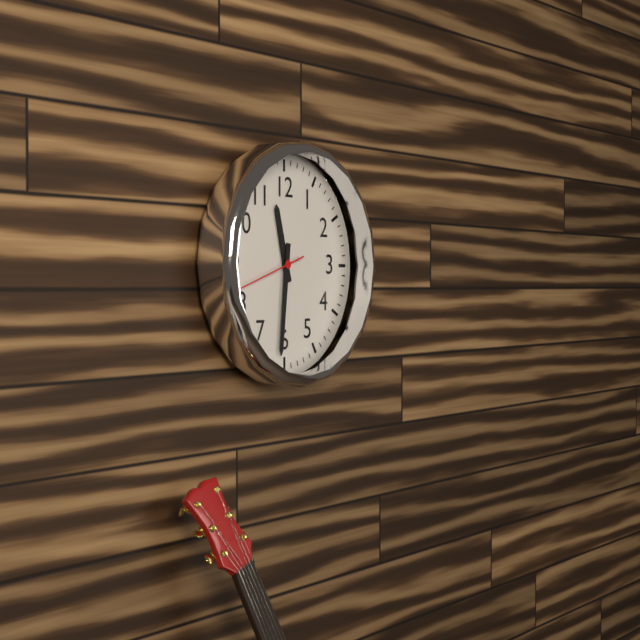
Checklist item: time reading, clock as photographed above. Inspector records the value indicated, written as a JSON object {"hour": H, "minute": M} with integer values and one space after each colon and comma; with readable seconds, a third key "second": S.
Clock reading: {"hour": 11, "minute": 31, "second": 42}
